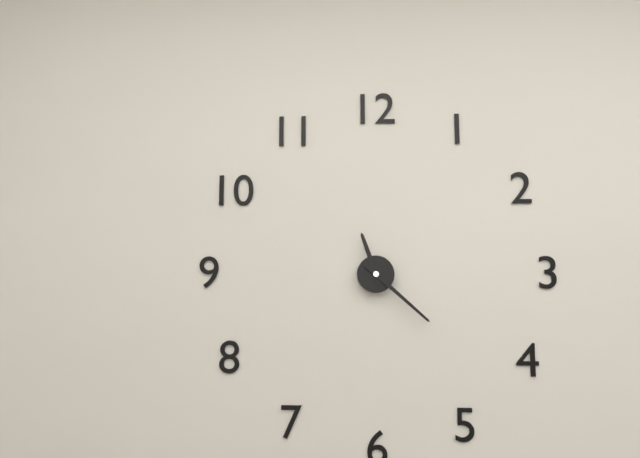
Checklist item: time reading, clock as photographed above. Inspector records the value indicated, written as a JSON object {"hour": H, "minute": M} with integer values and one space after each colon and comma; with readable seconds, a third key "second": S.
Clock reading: {"hour": 11, "minute": 22}
